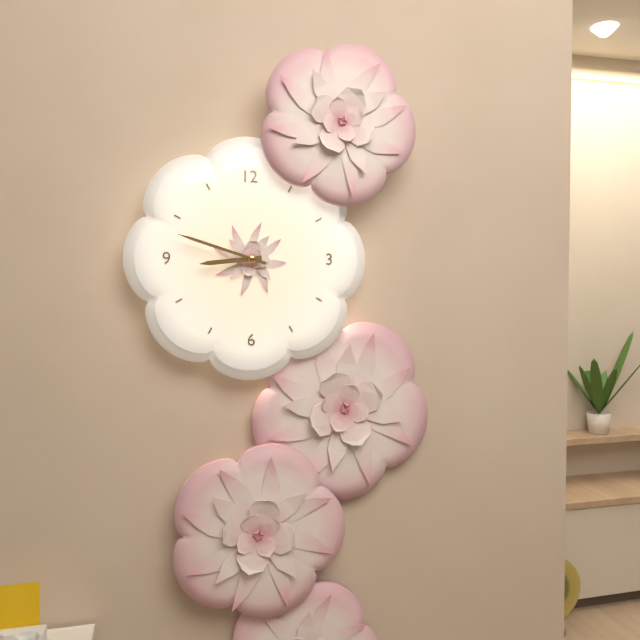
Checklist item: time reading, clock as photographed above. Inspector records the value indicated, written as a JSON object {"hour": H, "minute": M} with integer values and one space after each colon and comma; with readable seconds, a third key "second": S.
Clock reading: {"hour": 8, "minute": 48}
